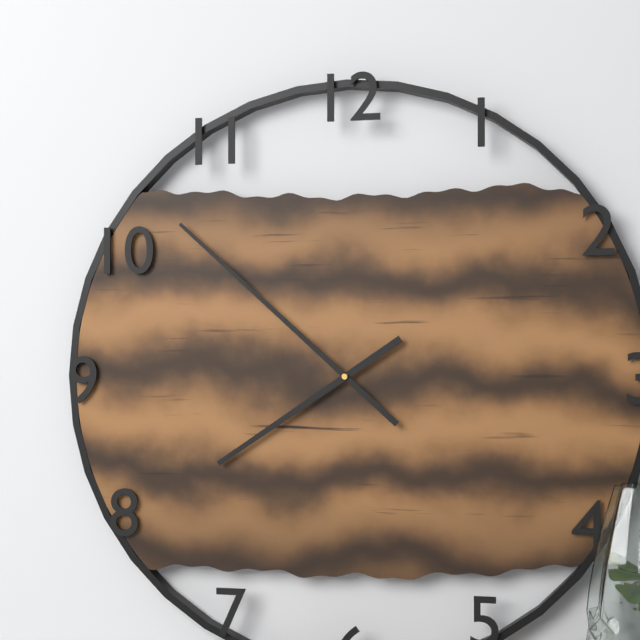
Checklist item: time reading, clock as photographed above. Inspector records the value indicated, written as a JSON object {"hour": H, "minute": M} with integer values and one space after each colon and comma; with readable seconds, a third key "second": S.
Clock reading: {"hour": 7, "minute": 52}
